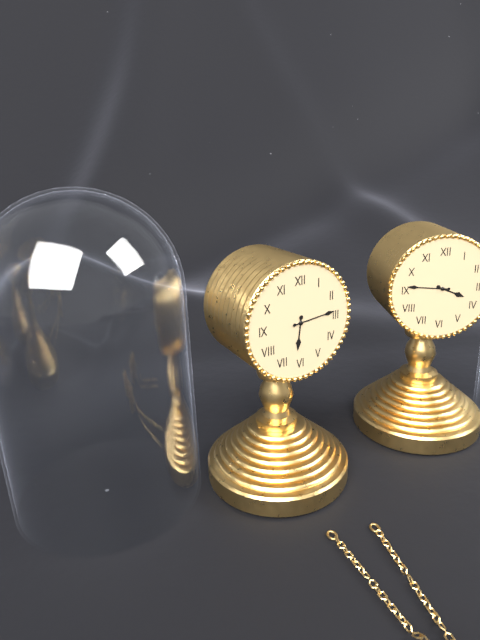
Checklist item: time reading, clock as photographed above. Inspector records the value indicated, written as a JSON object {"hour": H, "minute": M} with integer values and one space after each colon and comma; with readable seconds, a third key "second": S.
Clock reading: {"hour": 6, "minute": 14}
